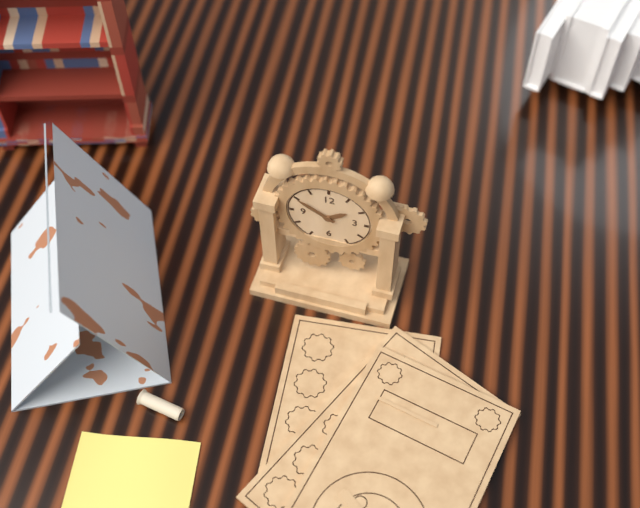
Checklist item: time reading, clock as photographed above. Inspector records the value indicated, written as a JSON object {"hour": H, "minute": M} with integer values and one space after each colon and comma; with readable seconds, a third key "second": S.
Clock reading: {"hour": 1, "minute": 50}
